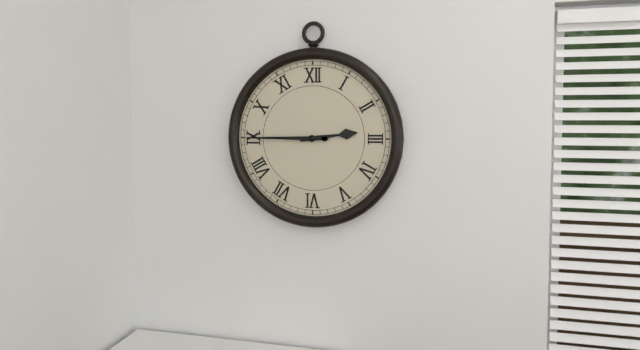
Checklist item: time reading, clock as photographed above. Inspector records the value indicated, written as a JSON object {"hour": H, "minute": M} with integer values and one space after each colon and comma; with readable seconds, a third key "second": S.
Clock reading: {"hour": 2, "minute": 45}
